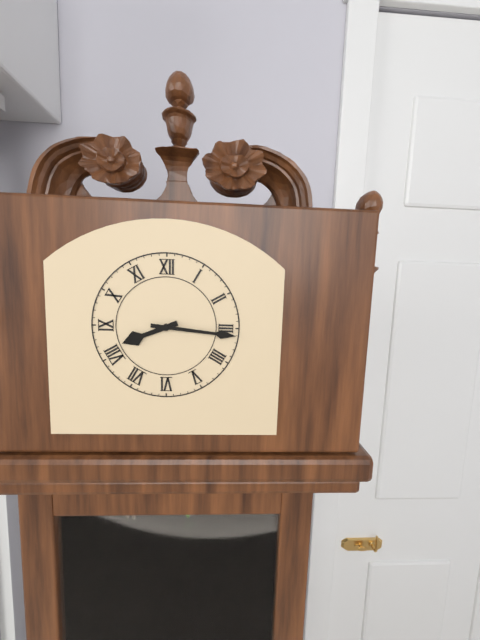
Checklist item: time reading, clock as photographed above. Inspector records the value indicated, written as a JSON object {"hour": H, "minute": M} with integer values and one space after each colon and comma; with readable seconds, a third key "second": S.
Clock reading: {"hour": 8, "minute": 16}
